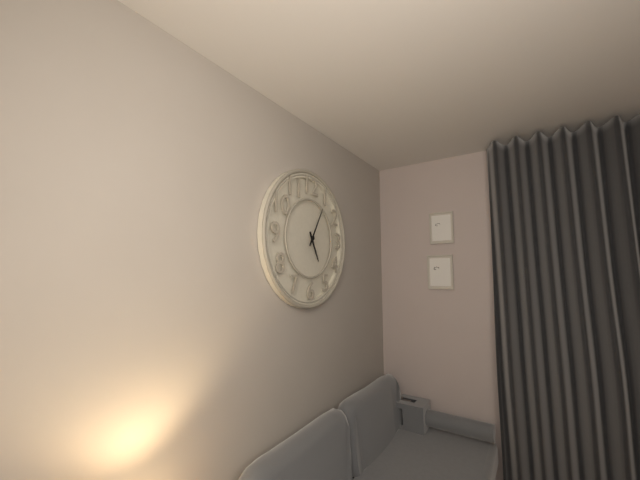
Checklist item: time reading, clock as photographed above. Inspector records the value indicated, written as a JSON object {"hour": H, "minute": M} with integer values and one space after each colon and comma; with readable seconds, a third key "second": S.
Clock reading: {"hour": 5, "minute": 5}
